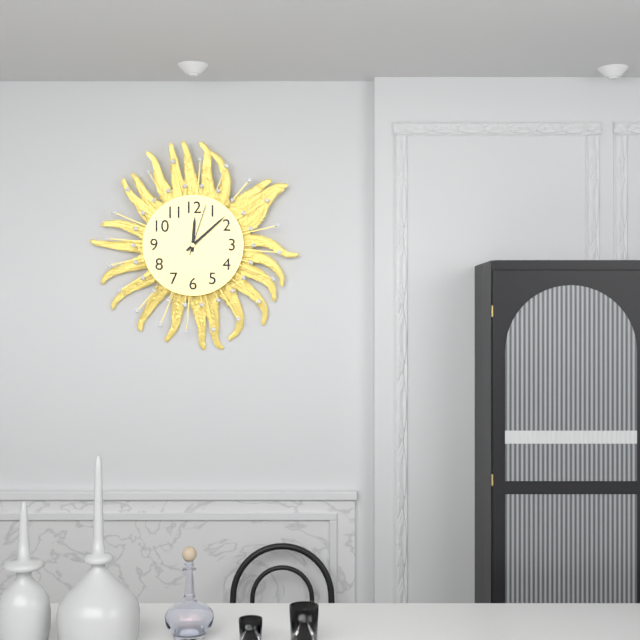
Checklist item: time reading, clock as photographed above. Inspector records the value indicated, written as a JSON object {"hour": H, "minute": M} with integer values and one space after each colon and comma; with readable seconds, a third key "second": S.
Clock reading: {"hour": 12, "minute": 8, "second": 3}
